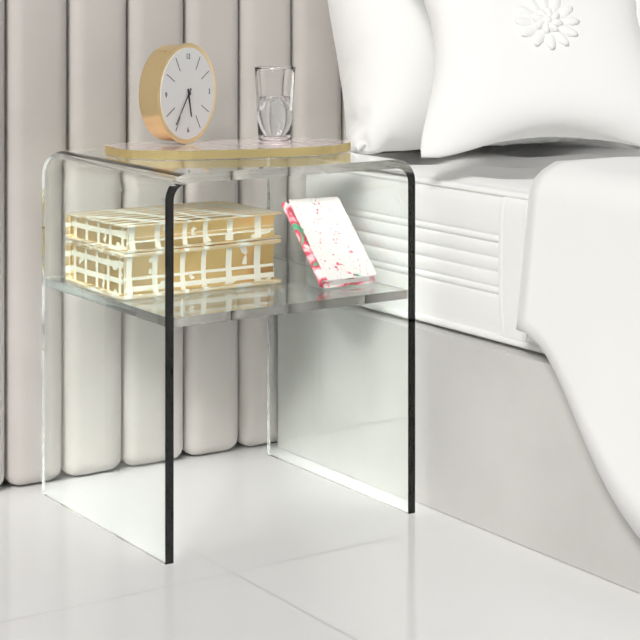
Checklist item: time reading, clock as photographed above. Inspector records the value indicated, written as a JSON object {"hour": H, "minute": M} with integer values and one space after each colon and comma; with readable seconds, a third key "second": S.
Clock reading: {"hour": 5, "minute": 36}
